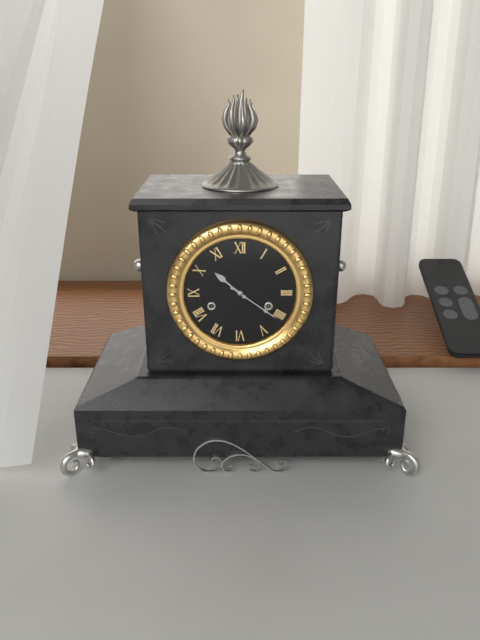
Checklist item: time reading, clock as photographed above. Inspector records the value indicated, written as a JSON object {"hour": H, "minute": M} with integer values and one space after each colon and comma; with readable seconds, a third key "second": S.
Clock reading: {"hour": 10, "minute": 21}
